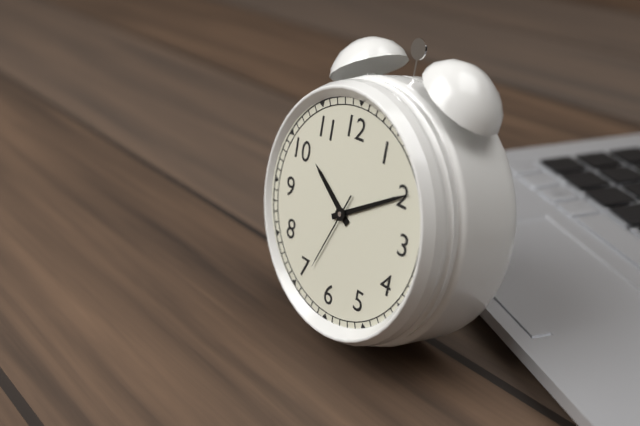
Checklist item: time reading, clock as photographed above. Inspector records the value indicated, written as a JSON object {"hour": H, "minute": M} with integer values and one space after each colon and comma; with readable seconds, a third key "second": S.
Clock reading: {"hour": 10, "minute": 10, "second": 34}
